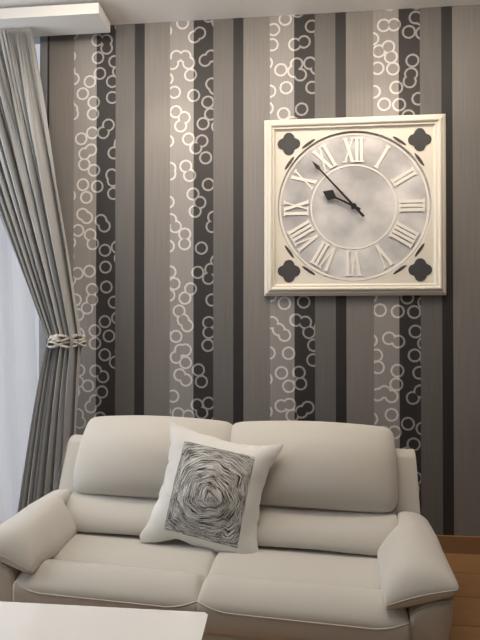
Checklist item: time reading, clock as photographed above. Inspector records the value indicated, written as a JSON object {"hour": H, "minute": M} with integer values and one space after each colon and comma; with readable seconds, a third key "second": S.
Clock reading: {"hour": 9, "minute": 53}
